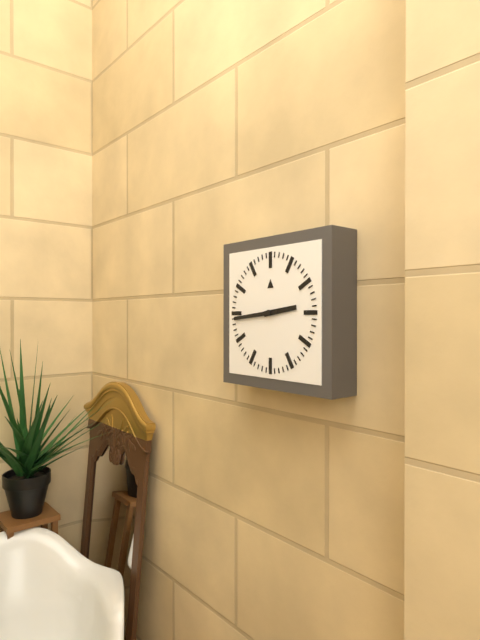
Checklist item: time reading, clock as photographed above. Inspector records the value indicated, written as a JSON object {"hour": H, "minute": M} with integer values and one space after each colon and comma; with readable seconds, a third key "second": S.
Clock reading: {"hour": 2, "minute": 44}
